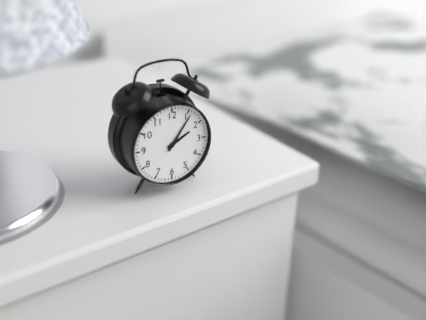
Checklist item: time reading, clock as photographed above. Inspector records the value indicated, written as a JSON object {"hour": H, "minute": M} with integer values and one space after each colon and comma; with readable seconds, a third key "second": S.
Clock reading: {"hour": 2, "minute": 6}
